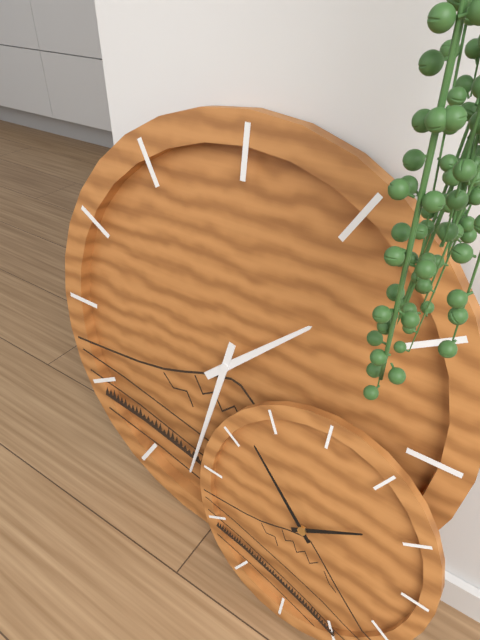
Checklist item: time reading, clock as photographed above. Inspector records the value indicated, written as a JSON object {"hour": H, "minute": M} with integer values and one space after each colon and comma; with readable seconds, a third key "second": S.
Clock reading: {"hour": 1, "minute": 32}
